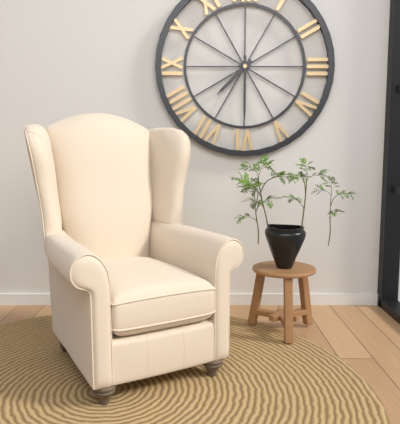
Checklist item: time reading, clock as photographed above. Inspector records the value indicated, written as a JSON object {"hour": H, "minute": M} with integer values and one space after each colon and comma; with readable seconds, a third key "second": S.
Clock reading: {"hour": 7, "minute": 30}
